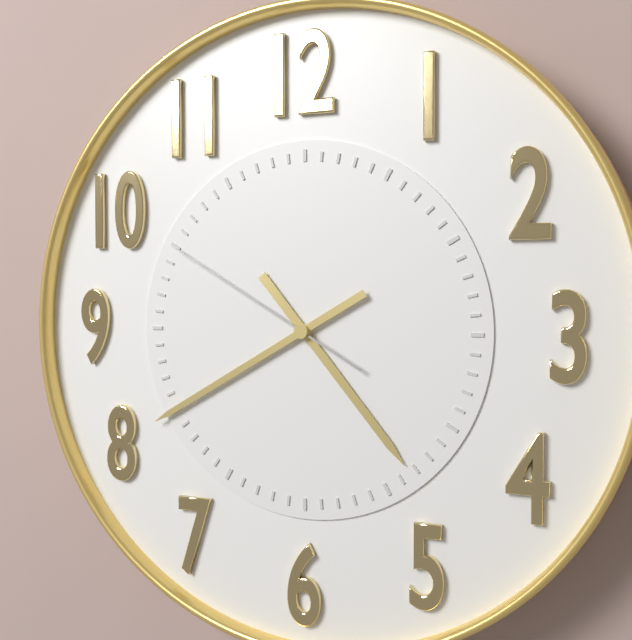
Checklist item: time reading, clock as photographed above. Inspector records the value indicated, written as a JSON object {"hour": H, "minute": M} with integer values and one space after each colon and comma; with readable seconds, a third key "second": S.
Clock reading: {"hour": 4, "minute": 40, "second": 50}
